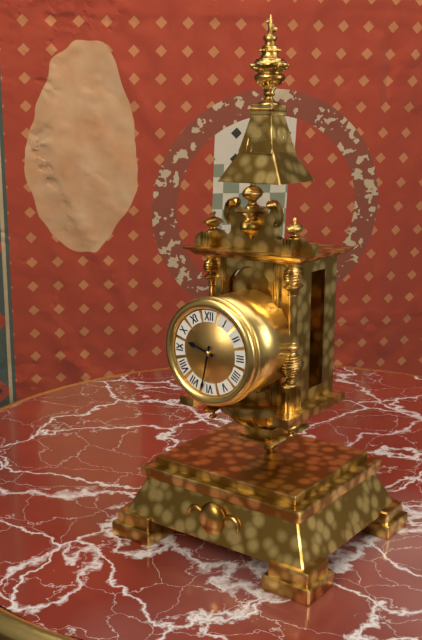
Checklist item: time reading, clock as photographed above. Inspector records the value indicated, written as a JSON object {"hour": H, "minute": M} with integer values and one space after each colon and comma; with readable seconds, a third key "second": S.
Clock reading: {"hour": 9, "minute": 32}
